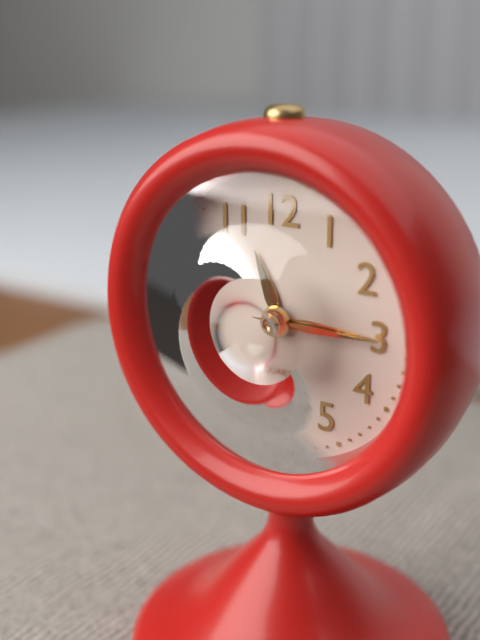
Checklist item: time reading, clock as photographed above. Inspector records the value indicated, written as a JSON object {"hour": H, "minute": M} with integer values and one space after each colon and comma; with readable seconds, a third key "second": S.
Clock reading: {"hour": 11, "minute": 15, "second": 15}
